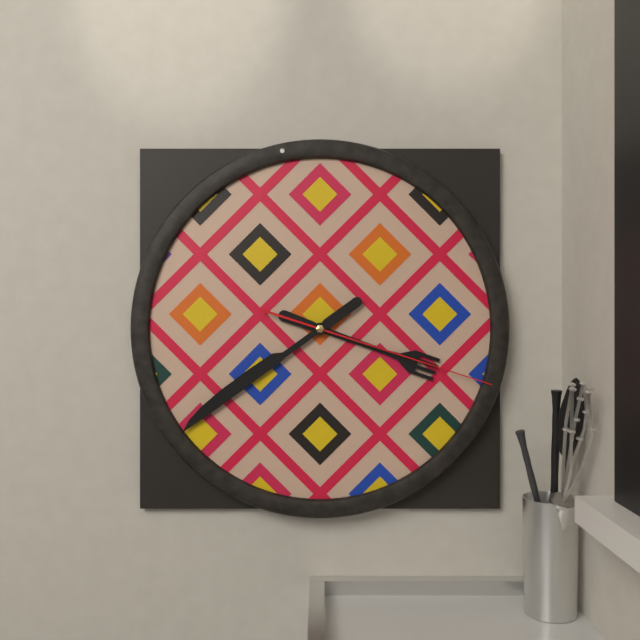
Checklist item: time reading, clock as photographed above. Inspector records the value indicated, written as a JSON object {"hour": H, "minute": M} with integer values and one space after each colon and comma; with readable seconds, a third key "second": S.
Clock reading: {"hour": 3, "minute": 39, "second": 18}
